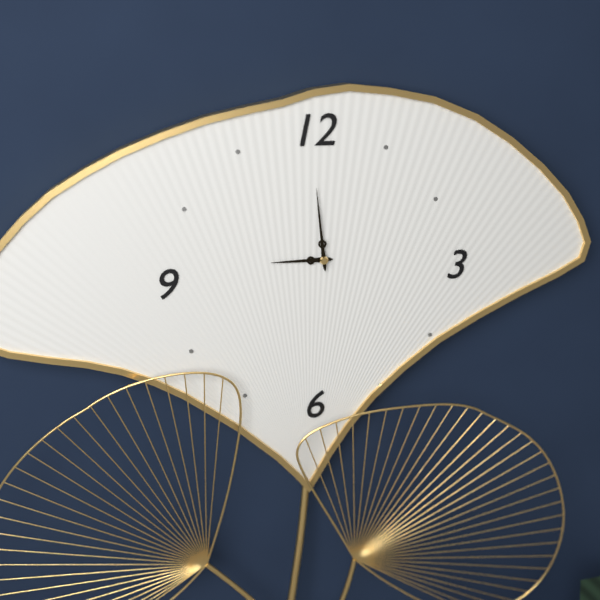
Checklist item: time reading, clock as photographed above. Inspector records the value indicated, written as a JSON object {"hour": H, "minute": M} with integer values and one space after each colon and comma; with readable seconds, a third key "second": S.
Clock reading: {"hour": 8, "minute": 59}
